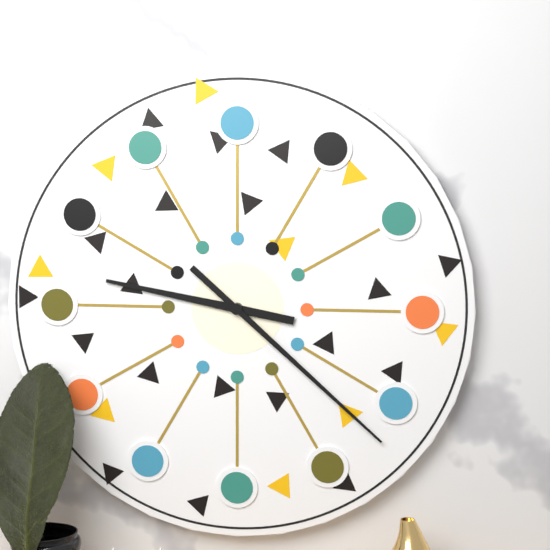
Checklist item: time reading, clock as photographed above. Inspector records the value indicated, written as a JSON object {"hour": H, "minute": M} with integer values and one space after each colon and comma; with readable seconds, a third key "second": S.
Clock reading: {"hour": 9, "minute": 22}
